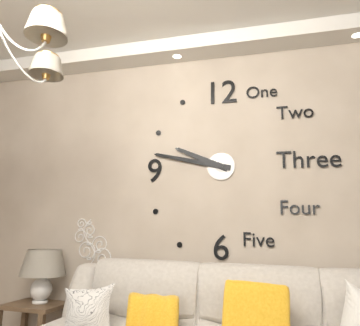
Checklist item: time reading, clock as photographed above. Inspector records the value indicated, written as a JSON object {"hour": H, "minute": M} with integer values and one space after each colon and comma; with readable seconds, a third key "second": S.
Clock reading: {"hour": 9, "minute": 47}
